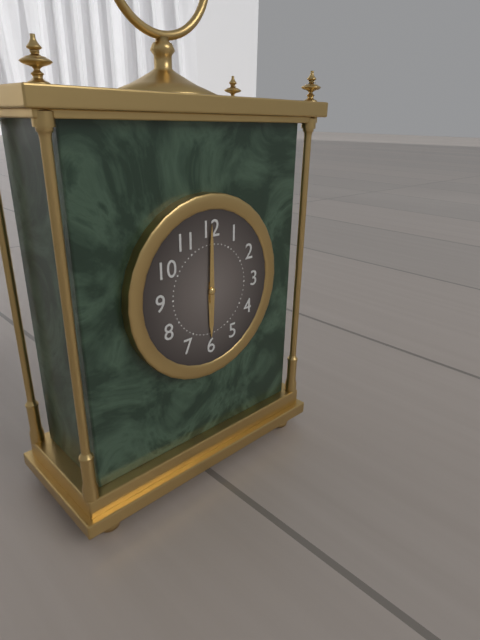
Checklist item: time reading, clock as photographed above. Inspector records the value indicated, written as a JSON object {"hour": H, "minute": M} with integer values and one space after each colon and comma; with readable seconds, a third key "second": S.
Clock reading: {"hour": 6, "minute": 0}
